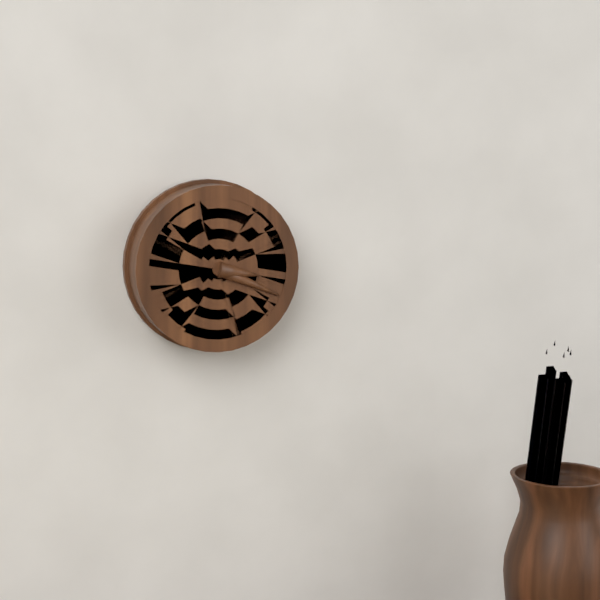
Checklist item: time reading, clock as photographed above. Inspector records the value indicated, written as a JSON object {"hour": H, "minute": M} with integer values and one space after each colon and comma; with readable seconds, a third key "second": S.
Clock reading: {"hour": 3, "minute": 19}
